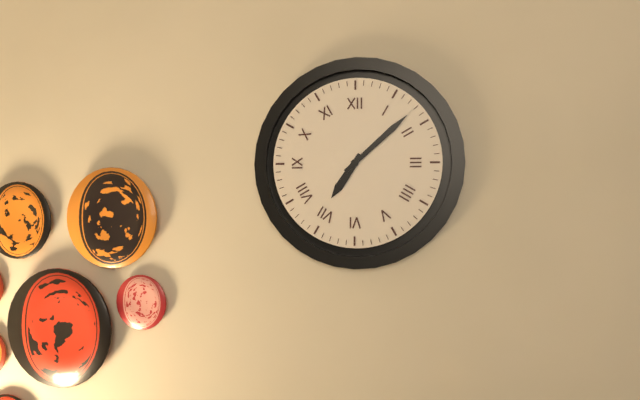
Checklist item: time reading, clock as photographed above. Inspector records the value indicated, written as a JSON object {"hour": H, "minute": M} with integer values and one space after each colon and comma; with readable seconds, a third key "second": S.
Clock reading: {"hour": 7, "minute": 8}
